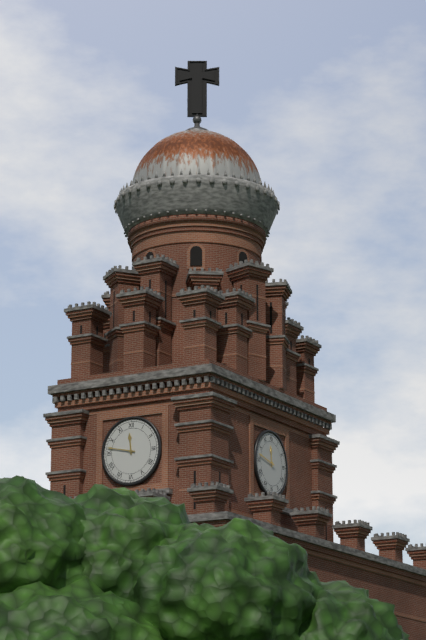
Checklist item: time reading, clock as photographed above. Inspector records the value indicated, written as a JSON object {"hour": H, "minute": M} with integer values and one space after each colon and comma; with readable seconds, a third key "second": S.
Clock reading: {"hour": 11, "minute": 47}
